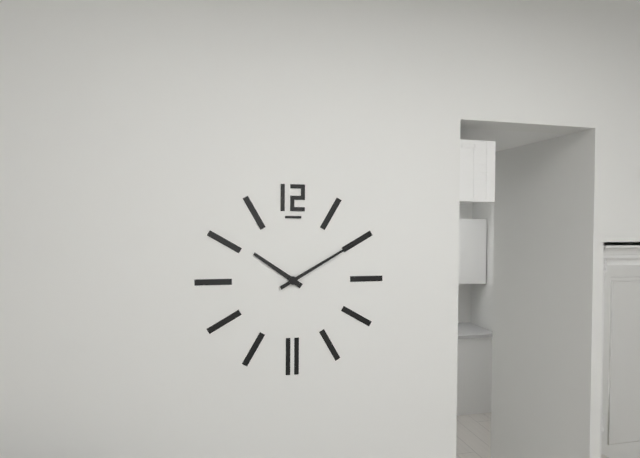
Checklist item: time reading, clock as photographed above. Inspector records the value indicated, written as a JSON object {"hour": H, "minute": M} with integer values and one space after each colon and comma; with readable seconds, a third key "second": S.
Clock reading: {"hour": 10, "minute": 10}
